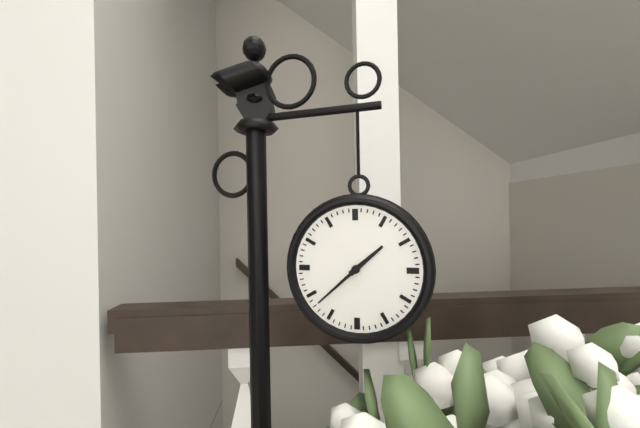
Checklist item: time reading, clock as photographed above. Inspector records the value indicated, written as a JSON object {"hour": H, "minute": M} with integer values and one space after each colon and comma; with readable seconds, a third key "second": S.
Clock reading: {"hour": 1, "minute": 38}
